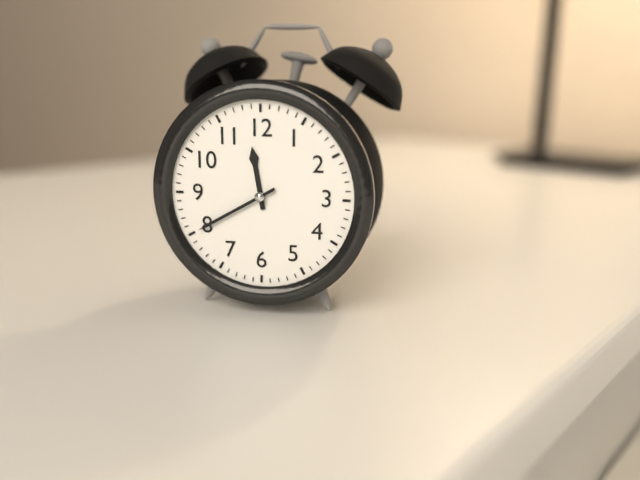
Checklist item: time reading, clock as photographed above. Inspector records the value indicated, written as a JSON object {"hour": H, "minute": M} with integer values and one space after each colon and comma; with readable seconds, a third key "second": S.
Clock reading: {"hour": 11, "minute": 40}
